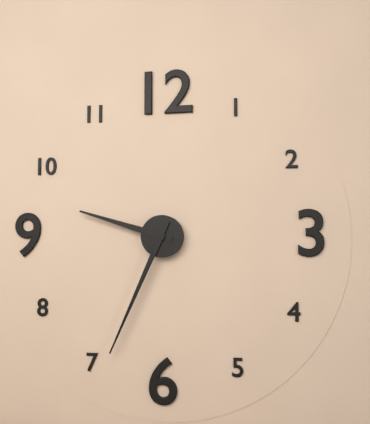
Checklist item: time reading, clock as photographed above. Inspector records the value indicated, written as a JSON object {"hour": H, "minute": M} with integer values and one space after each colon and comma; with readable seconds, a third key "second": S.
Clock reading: {"hour": 9, "minute": 34}
